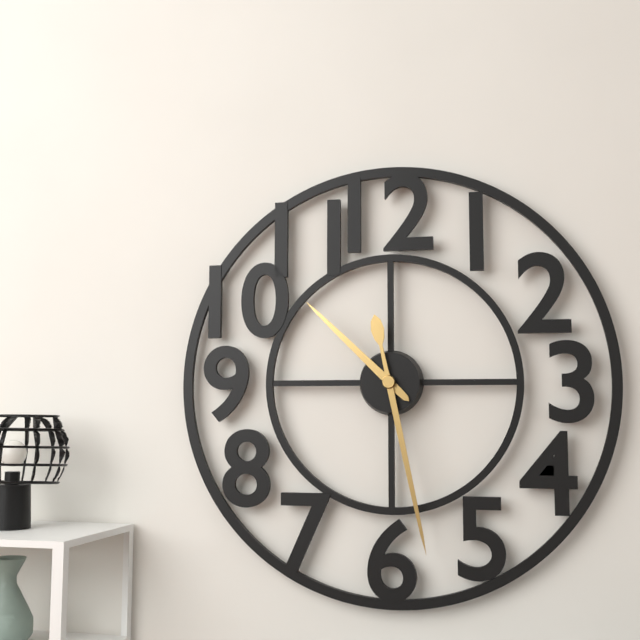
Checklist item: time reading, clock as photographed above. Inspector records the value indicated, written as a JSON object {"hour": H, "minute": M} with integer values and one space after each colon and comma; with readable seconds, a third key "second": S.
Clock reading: {"hour": 10, "minute": 28}
